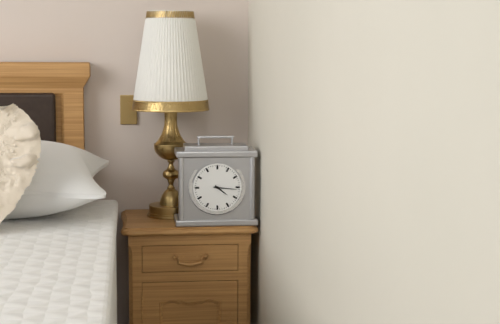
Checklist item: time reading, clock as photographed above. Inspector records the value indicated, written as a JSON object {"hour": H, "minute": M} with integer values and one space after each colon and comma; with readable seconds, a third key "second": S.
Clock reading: {"hour": 4, "minute": 16}
